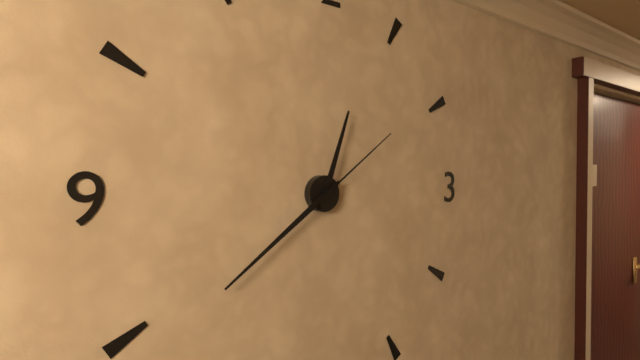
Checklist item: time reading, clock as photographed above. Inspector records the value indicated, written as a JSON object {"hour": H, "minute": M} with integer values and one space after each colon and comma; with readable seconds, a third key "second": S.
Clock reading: {"hour": 12, "minute": 39, "second": 9}
